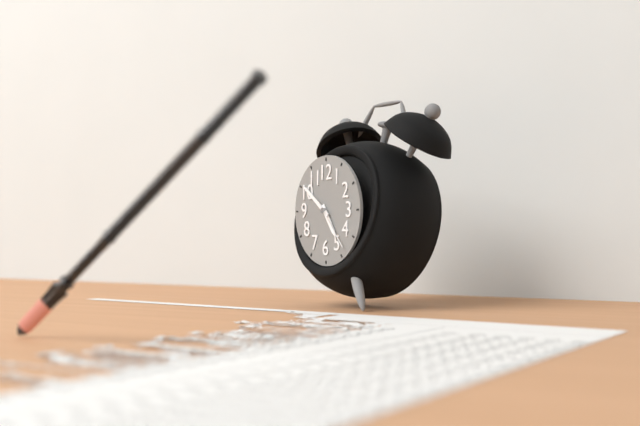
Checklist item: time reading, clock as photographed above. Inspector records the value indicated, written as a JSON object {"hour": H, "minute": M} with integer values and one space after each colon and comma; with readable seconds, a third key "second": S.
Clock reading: {"hour": 4, "minute": 51, "second": 23}
